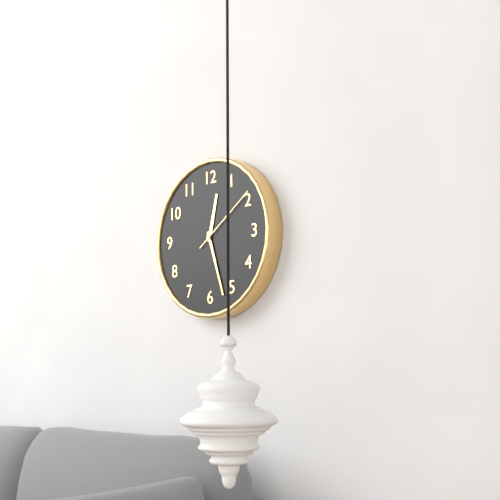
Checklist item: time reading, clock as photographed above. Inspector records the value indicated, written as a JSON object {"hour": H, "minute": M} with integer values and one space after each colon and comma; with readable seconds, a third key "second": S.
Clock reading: {"hour": 12, "minute": 27, "second": 9}
